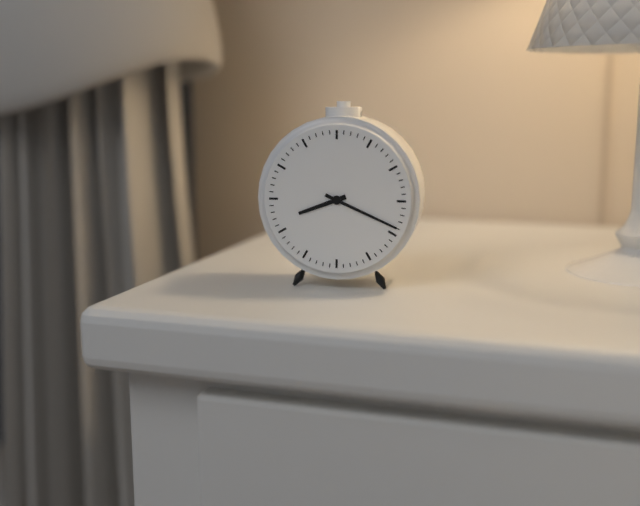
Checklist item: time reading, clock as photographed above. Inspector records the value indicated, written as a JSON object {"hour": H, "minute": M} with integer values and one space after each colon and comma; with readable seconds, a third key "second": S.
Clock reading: {"hour": 8, "minute": 19}
